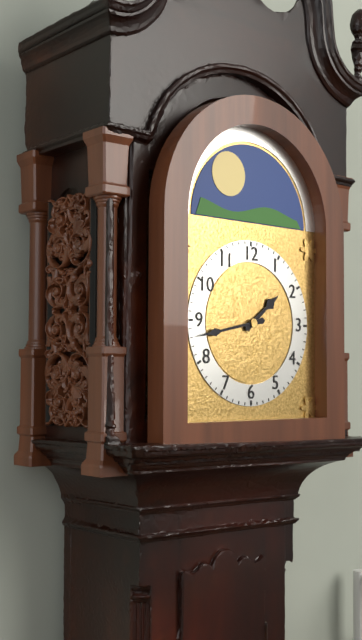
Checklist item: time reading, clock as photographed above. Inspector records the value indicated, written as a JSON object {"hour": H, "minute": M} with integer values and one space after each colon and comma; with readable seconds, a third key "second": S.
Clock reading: {"hour": 1, "minute": 43}
